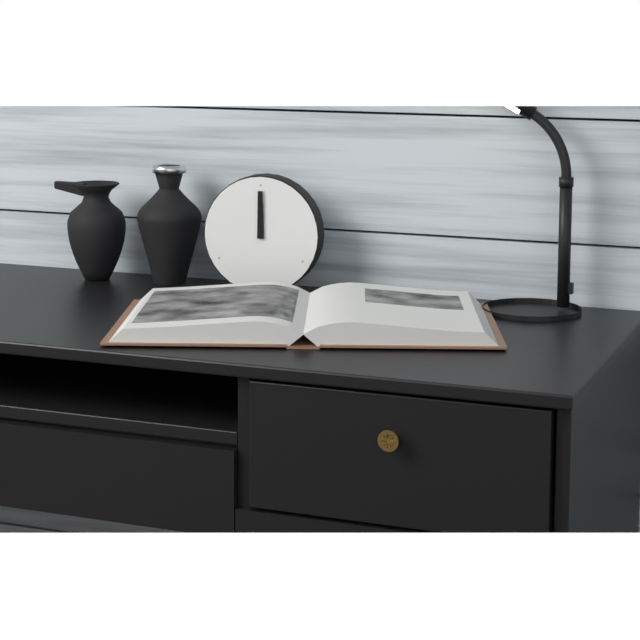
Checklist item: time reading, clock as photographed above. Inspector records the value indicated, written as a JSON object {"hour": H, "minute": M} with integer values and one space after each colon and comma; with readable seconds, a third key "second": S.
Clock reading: {"hour": 12, "minute": 0}
